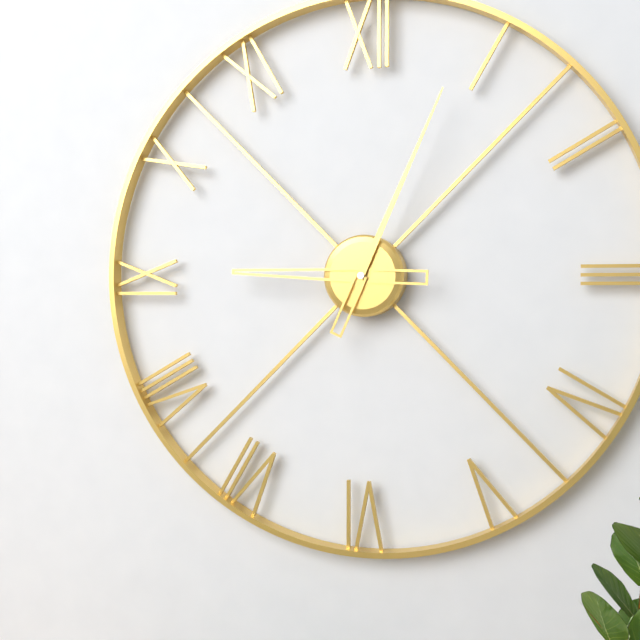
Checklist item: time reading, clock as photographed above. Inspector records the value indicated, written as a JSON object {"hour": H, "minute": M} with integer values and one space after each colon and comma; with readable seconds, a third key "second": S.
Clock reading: {"hour": 9, "minute": 4}
